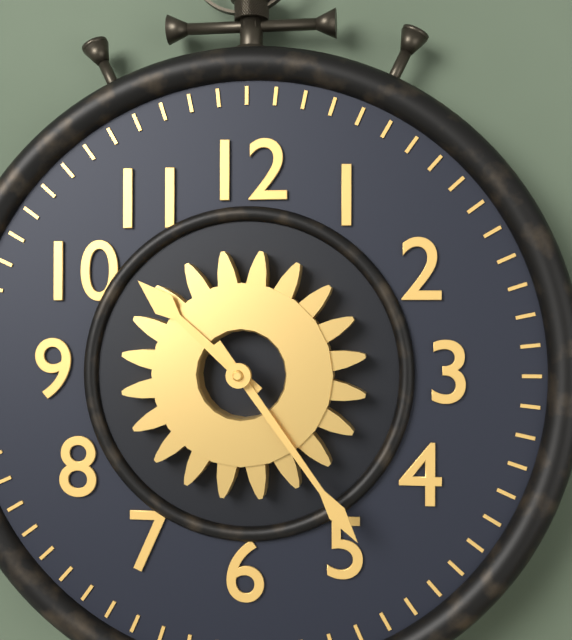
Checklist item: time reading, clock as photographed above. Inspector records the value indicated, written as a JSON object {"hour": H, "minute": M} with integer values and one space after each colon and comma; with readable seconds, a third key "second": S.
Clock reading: {"hour": 10, "minute": 24}
